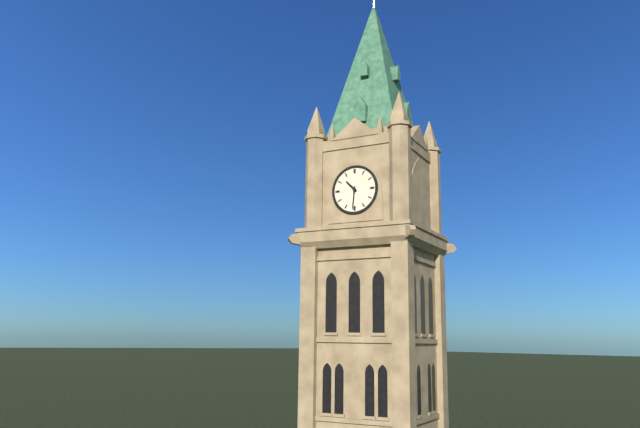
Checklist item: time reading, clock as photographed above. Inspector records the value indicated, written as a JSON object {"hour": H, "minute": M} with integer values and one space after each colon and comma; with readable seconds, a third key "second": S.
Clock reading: {"hour": 10, "minute": 31}
